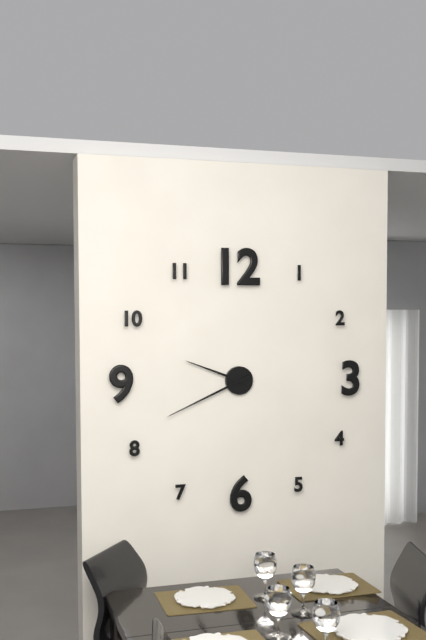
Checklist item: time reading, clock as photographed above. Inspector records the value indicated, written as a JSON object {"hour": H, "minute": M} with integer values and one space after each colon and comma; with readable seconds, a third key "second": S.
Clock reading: {"hour": 9, "minute": 41}
